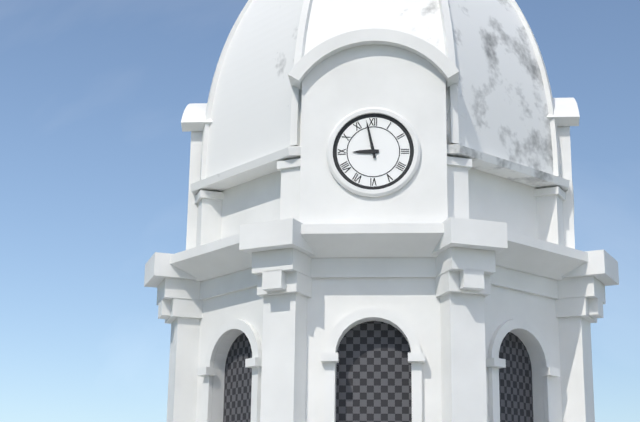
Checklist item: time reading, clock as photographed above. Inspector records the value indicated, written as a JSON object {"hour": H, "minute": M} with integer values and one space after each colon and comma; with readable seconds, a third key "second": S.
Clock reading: {"hour": 8, "minute": 58}
